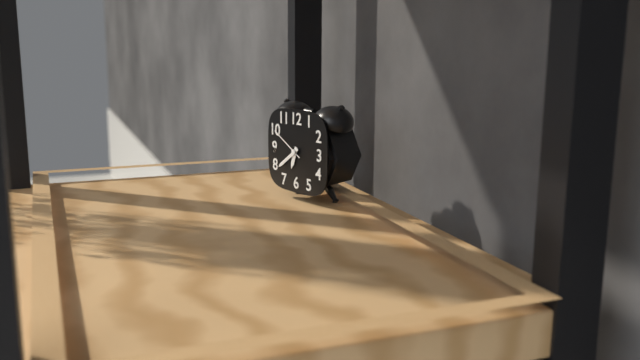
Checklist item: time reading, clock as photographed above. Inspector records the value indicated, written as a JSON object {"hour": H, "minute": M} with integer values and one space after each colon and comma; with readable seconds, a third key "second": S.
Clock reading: {"hour": 6, "minute": 39}
